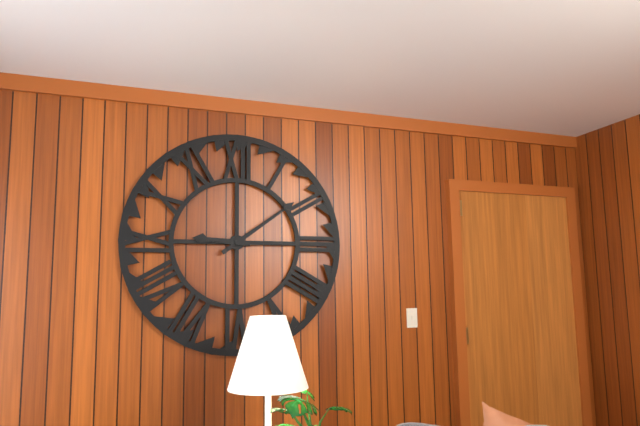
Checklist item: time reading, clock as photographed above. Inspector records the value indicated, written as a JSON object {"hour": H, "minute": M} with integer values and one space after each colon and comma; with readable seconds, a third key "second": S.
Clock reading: {"hour": 9, "minute": 9}
